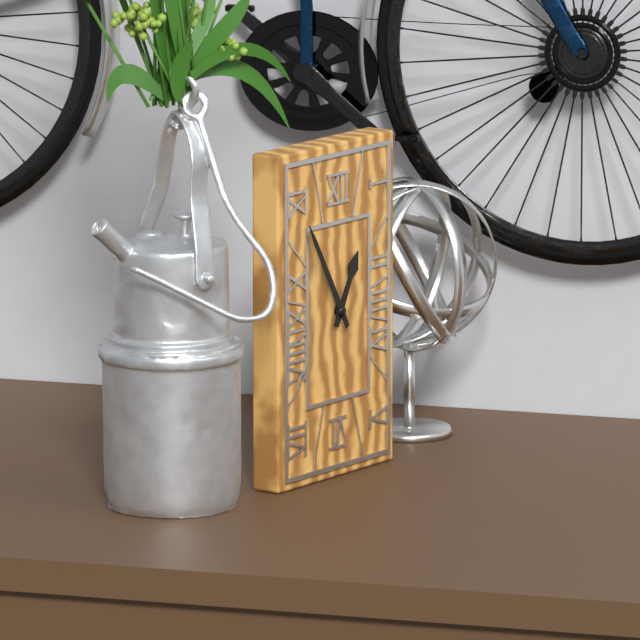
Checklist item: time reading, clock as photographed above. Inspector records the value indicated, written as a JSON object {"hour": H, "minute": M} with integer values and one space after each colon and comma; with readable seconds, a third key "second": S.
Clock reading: {"hour": 12, "minute": 55}
